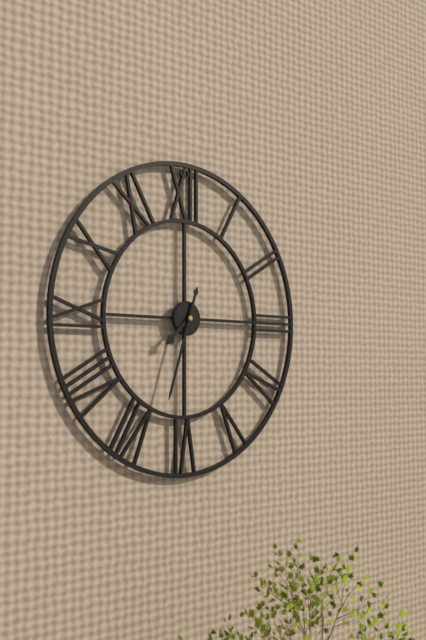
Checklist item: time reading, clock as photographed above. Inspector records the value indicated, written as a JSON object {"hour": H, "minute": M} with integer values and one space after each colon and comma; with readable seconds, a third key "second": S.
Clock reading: {"hour": 7, "minute": 33}
